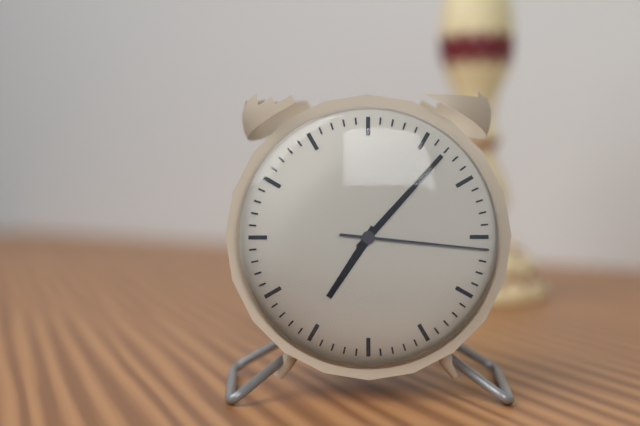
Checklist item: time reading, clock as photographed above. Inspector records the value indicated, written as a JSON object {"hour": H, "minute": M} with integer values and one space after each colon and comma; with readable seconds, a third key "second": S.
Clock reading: {"hour": 7, "minute": 7, "second": 16}
